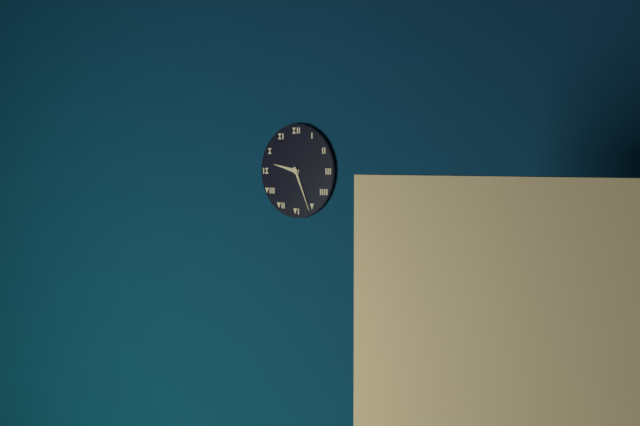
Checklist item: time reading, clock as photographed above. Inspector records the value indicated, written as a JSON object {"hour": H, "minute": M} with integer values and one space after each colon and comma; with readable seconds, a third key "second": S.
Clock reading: {"hour": 9, "minute": 26}
